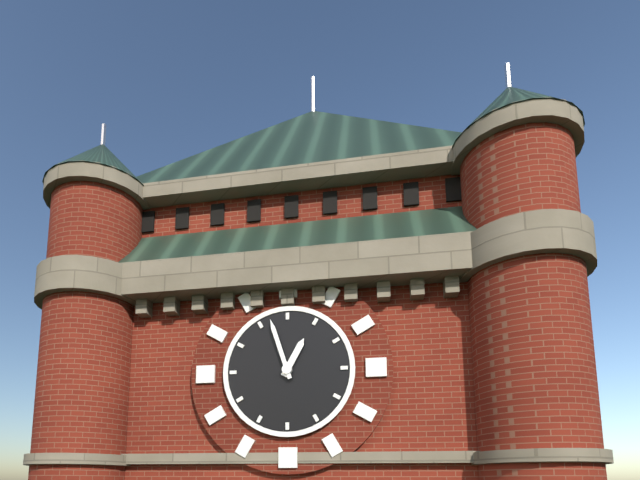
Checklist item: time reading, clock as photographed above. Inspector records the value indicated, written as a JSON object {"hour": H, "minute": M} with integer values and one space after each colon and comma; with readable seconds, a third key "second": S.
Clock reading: {"hour": 12, "minute": 57}
